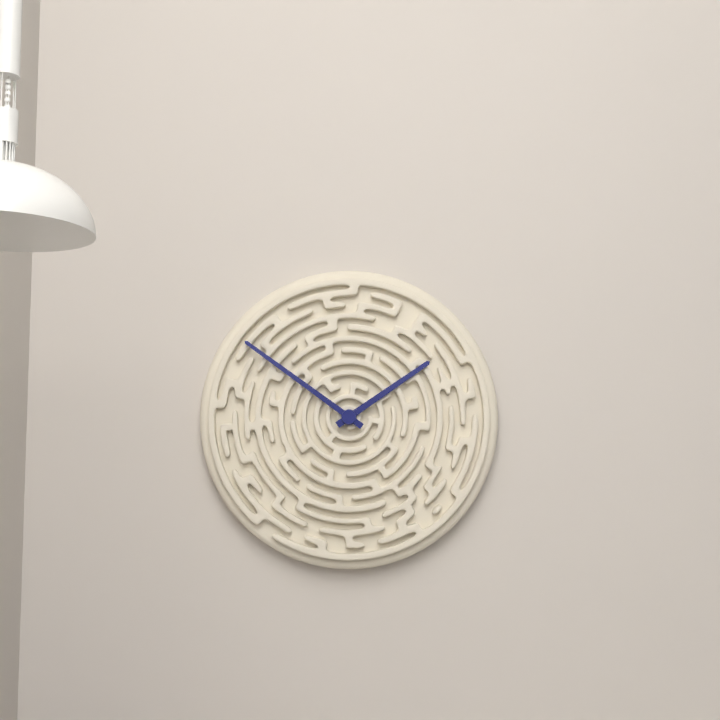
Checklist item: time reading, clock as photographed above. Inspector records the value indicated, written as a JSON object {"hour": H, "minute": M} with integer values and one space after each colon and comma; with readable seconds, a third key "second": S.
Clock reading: {"hour": 1, "minute": 51}
